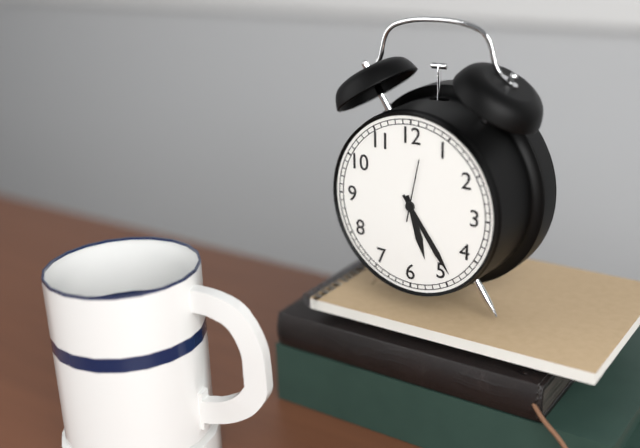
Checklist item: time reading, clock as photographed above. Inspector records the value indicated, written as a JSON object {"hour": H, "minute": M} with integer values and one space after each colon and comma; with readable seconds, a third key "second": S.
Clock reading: {"hour": 5, "minute": 24, "second": 2}
